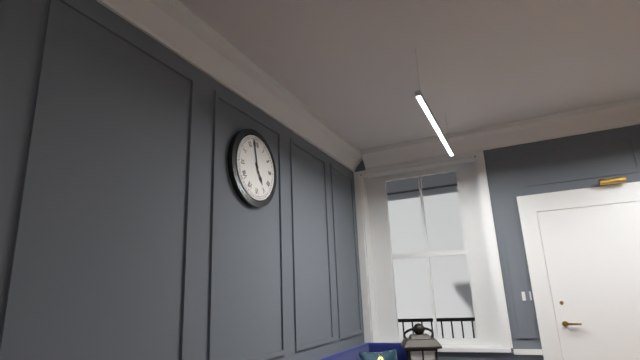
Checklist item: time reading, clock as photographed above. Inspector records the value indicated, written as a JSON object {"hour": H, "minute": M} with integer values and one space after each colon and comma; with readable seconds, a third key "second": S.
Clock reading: {"hour": 4, "minute": 58}
